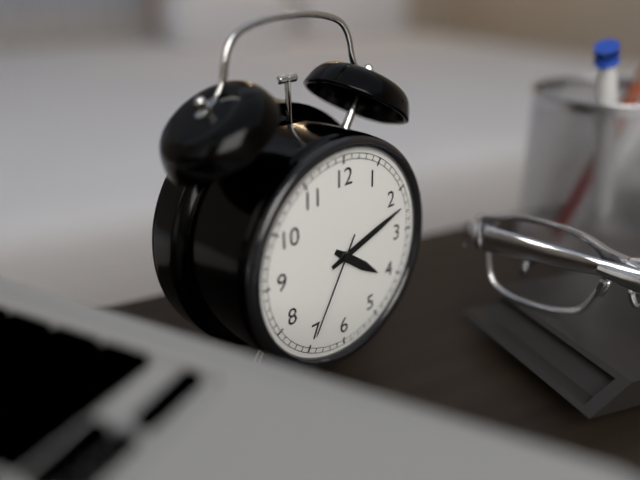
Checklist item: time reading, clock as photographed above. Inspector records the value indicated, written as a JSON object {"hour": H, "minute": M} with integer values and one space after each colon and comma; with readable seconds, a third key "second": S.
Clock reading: {"hour": 4, "minute": 12, "second": 35}
